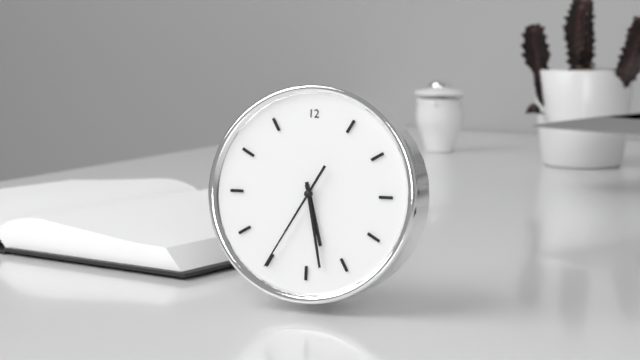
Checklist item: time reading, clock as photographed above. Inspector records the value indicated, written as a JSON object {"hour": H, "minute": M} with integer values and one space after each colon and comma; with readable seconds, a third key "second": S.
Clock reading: {"hour": 5, "minute": 28, "second": 35}
